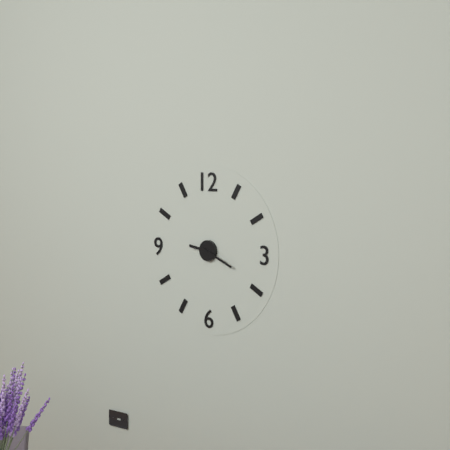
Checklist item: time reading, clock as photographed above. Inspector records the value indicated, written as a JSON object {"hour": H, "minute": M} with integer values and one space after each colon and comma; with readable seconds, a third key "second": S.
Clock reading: {"hour": 9, "minute": 19}
